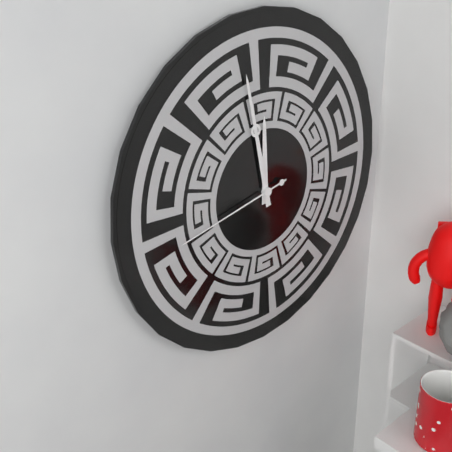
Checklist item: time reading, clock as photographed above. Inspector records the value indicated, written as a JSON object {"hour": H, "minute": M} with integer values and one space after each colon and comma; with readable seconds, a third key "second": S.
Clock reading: {"hour": 11, "minute": 58, "second": 43}
